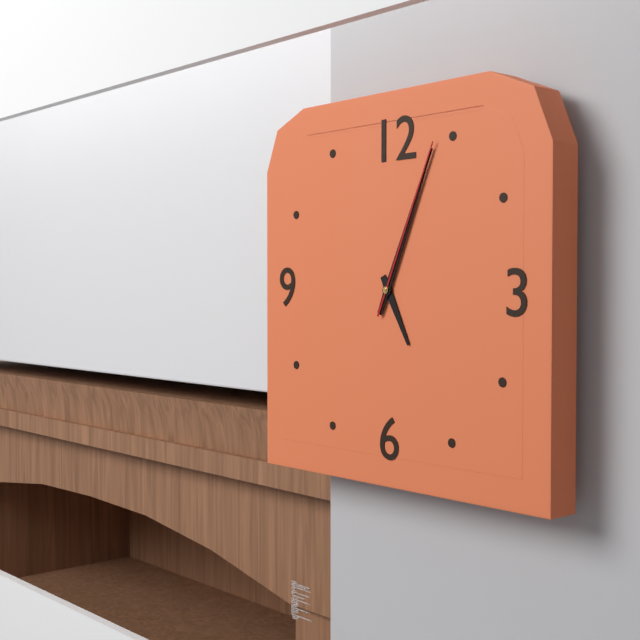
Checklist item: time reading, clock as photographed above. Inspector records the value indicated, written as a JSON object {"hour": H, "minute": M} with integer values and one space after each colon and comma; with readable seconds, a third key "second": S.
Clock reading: {"hour": 5, "minute": 4, "second": 4}
